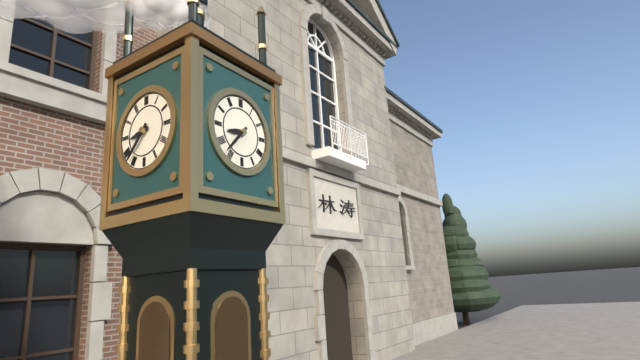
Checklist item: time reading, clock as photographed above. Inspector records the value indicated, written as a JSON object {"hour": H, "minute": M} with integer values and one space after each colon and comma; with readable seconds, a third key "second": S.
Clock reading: {"hour": 8, "minute": 37}
